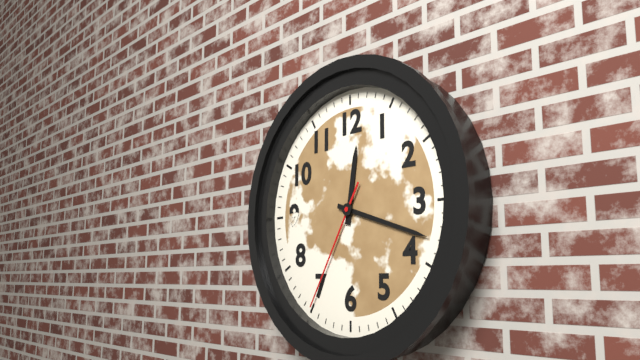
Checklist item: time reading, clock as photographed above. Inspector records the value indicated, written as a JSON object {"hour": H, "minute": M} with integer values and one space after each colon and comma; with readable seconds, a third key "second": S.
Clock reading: {"hour": 12, "minute": 18, "second": 35}
